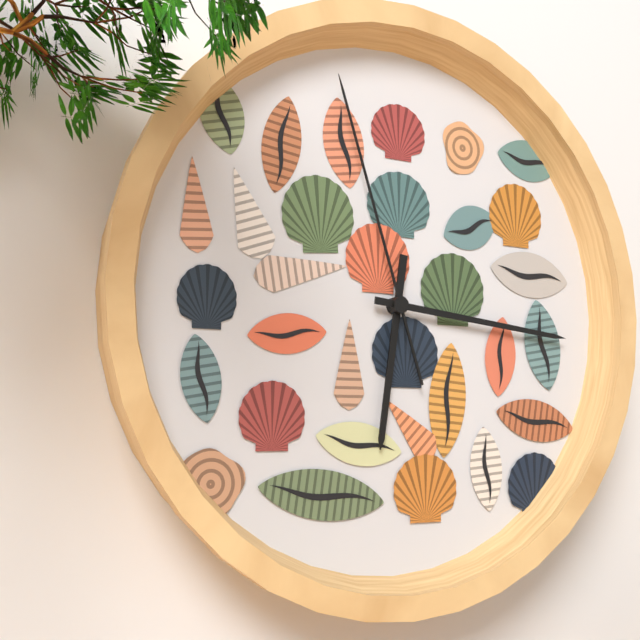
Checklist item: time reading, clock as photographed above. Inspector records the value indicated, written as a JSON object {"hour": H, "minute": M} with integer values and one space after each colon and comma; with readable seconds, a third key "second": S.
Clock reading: {"hour": 6, "minute": 16, "second": 57}
